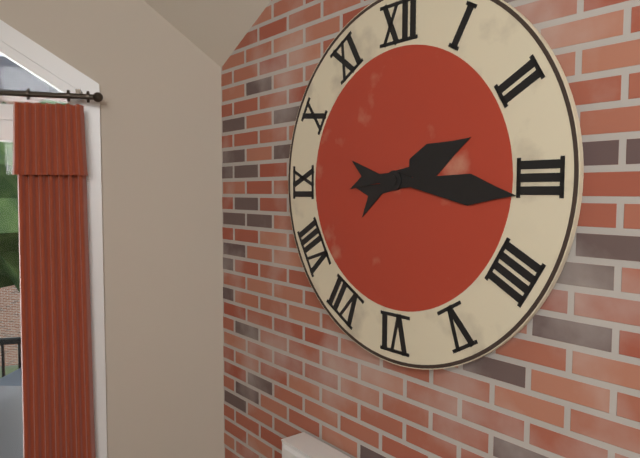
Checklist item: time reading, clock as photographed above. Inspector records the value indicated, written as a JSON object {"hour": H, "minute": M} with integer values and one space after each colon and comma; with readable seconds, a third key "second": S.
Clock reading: {"hour": 2, "minute": 16}
